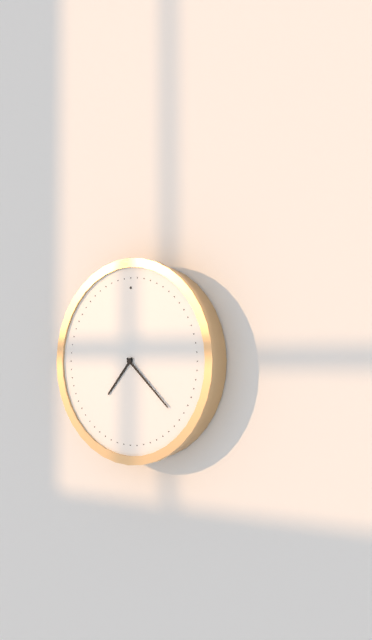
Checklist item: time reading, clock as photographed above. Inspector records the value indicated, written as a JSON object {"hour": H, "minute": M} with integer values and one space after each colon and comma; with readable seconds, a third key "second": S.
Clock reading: {"hour": 7, "minute": 22}
